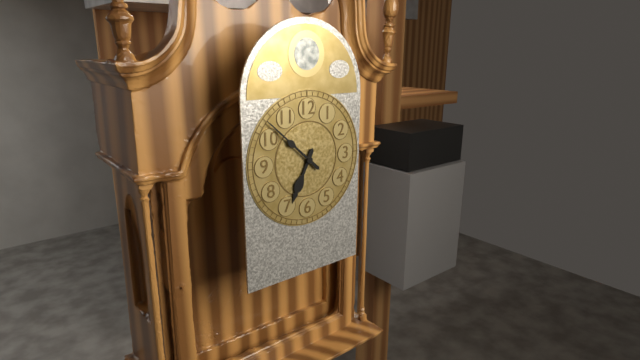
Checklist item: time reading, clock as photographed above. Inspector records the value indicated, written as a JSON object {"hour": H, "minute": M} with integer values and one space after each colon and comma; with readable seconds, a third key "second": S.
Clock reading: {"hour": 6, "minute": 52}
